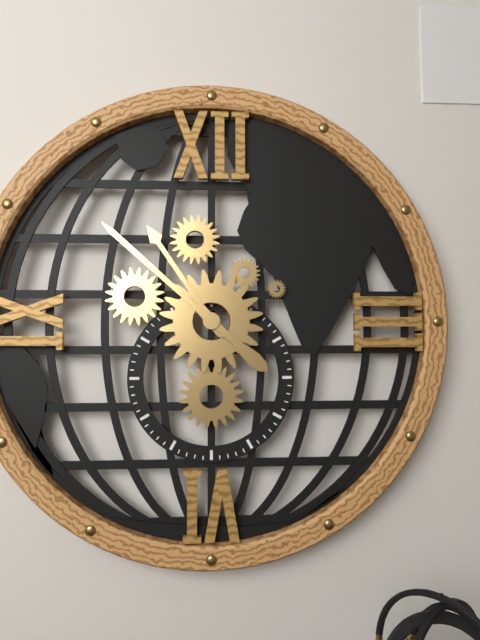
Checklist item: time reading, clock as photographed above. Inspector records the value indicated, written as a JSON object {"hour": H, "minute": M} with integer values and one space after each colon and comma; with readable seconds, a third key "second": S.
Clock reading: {"hour": 10, "minute": 52}
